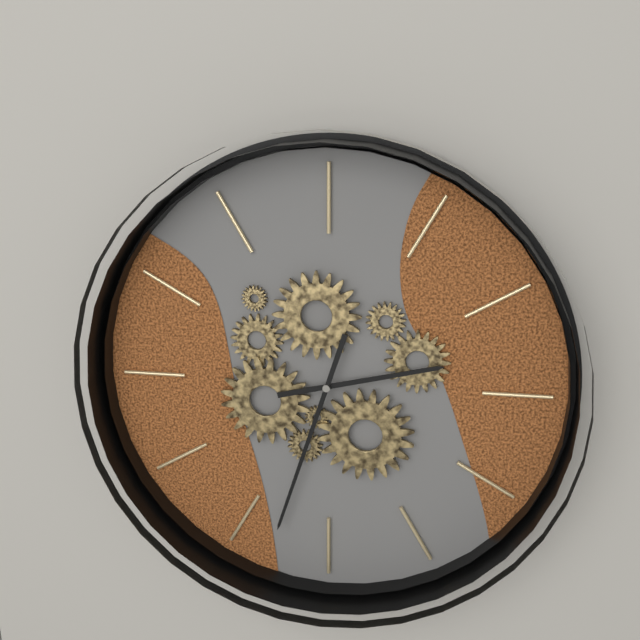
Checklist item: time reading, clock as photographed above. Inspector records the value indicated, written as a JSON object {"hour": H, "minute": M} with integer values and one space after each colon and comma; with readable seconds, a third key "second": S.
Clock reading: {"hour": 2, "minute": 33}
